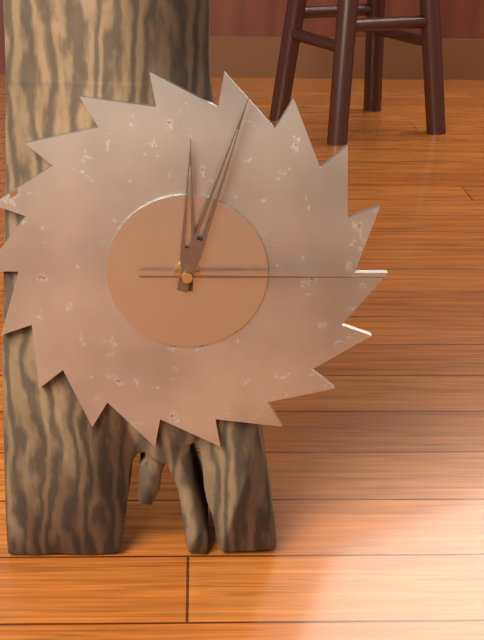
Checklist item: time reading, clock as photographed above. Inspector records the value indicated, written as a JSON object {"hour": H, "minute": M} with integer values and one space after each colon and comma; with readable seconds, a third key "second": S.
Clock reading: {"hour": 12, "minute": 3, "second": 15}
